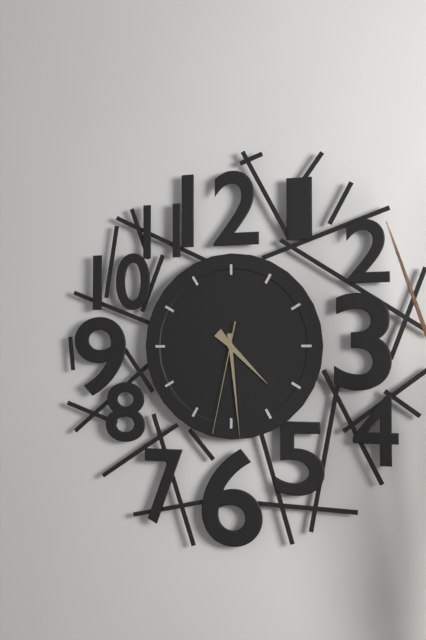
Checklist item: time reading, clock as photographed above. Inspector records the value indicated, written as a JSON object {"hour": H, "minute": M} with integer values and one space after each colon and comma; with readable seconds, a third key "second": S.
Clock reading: {"hour": 4, "minute": 29, "second": 32}
